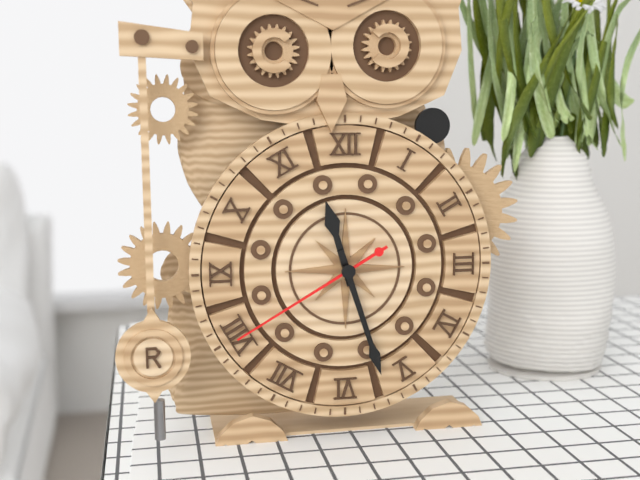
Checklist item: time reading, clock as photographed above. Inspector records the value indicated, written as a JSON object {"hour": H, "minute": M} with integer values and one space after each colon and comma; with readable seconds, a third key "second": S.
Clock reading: {"hour": 11, "minute": 27, "second": 40}
